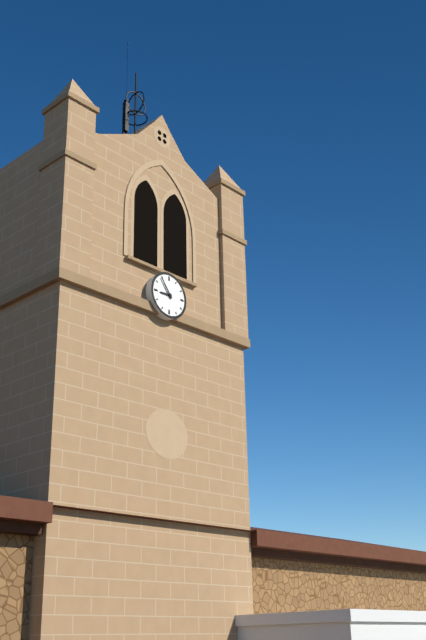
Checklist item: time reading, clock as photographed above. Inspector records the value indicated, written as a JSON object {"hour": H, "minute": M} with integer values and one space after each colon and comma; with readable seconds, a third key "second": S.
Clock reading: {"hour": 8, "minute": 54}
